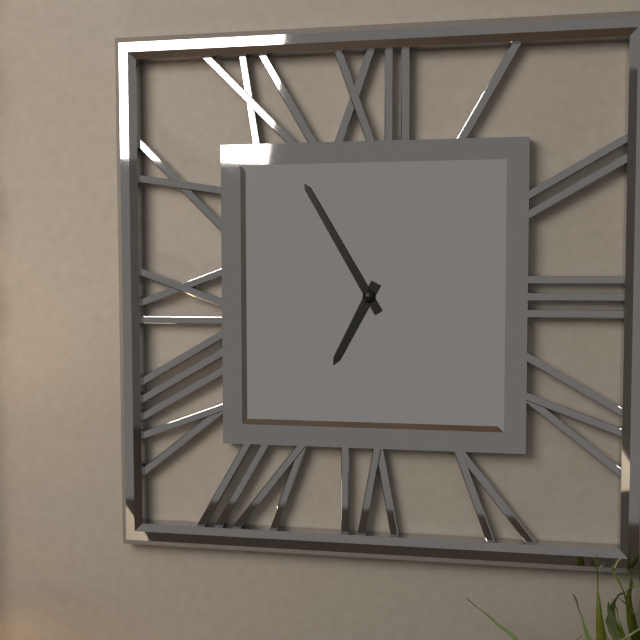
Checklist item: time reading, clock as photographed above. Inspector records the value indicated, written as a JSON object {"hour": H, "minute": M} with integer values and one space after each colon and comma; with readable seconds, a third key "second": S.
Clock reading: {"hour": 6, "minute": 55}
